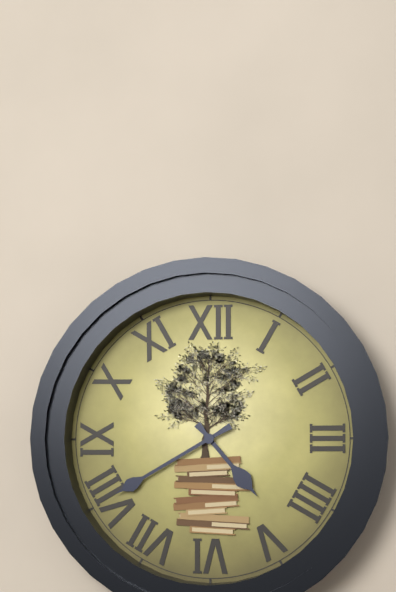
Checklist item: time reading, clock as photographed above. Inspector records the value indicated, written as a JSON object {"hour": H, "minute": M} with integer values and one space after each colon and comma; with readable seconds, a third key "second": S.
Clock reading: {"hour": 4, "minute": 40}
